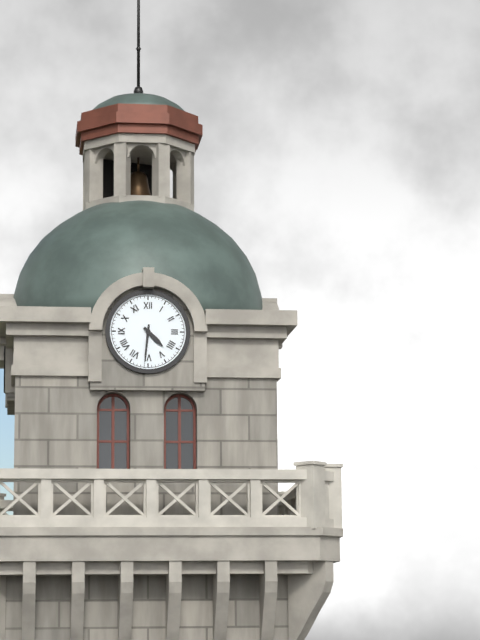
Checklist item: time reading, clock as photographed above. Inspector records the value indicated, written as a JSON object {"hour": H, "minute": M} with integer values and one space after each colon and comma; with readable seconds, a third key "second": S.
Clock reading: {"hour": 4, "minute": 31}
